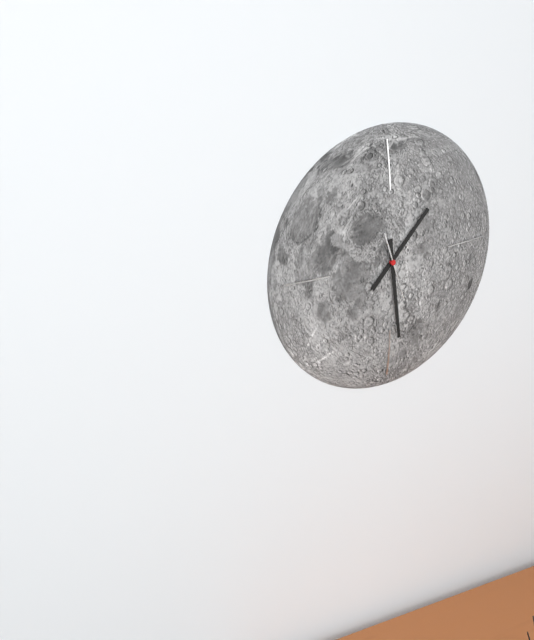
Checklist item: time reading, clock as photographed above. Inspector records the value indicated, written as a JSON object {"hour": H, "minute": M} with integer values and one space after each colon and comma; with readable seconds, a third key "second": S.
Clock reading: {"hour": 1, "minute": 29}
